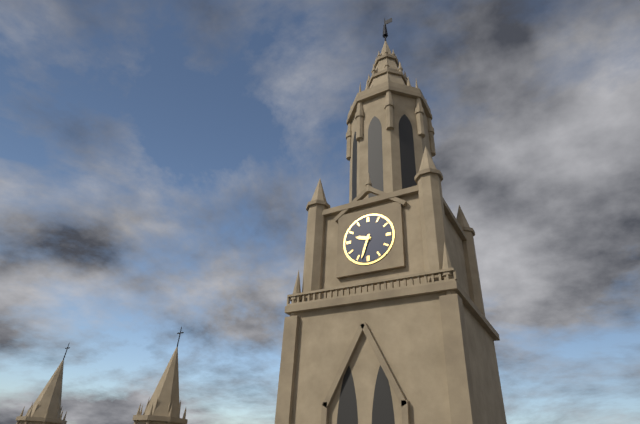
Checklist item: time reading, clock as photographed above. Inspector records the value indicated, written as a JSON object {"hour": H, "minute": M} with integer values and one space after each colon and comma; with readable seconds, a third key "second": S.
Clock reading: {"hour": 9, "minute": 33}
